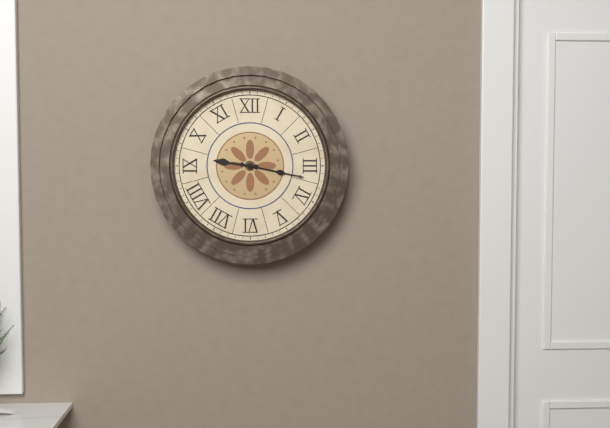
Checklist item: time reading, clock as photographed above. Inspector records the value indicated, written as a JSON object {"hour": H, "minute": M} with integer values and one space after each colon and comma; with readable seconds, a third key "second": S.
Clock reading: {"hour": 9, "minute": 17}
